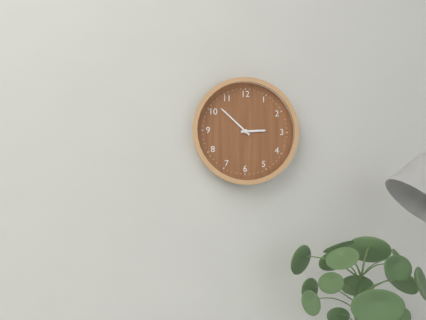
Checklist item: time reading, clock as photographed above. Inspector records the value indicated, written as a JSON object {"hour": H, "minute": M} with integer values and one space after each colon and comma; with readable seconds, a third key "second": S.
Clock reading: {"hour": 2, "minute": 52}
